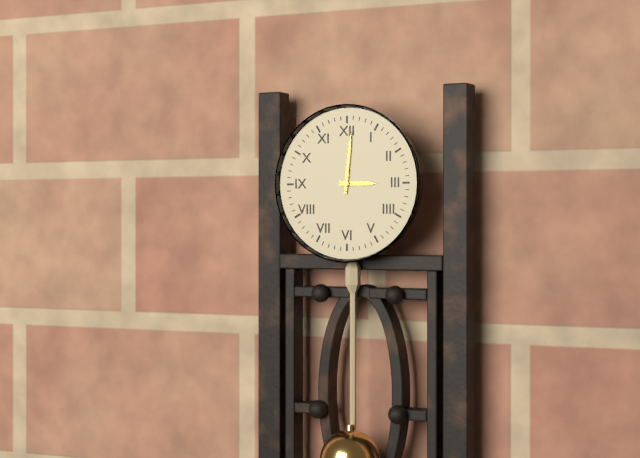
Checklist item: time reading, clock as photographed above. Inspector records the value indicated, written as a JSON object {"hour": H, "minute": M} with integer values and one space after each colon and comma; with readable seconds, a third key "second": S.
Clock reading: {"hour": 3, "minute": 1}
